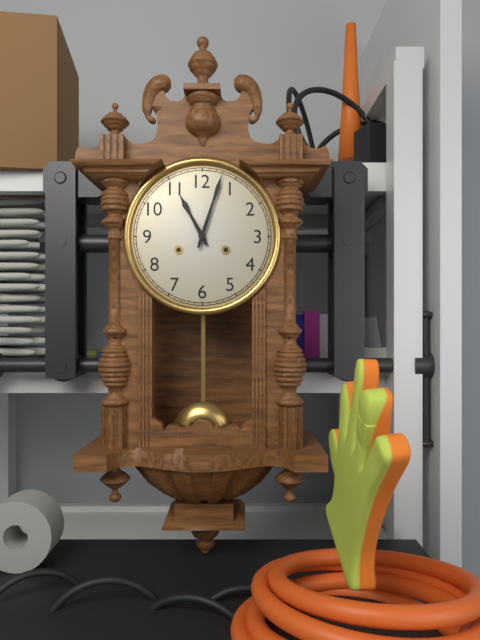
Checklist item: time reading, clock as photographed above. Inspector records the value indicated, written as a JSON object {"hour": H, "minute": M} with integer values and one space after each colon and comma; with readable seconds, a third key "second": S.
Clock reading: {"hour": 11, "minute": 3}
